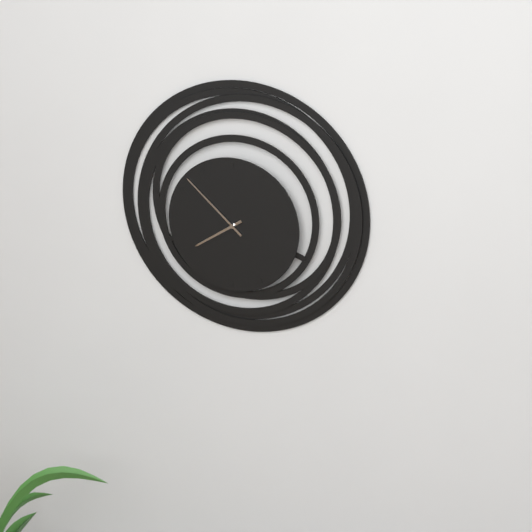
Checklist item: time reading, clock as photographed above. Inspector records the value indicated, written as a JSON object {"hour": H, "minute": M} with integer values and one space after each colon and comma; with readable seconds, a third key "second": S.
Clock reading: {"hour": 7, "minute": 52}
